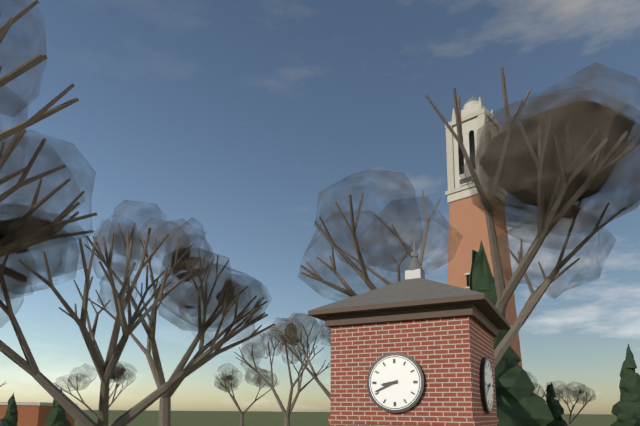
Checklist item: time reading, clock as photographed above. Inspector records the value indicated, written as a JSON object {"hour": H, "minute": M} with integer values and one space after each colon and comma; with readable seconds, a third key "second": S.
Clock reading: {"hour": 8, "minute": 41}
